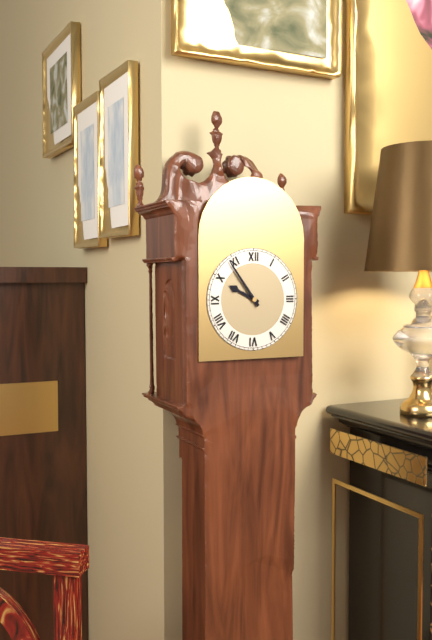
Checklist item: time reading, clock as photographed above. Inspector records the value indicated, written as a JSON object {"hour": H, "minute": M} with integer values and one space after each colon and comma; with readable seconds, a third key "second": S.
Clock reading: {"hour": 9, "minute": 54}
